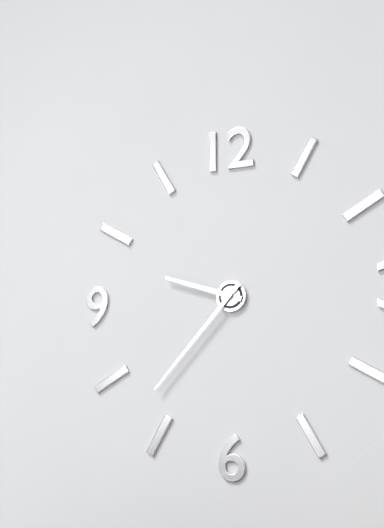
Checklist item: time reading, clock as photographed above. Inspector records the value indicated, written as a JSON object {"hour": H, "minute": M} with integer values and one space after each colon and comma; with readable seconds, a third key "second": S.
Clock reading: {"hour": 9, "minute": 37}
